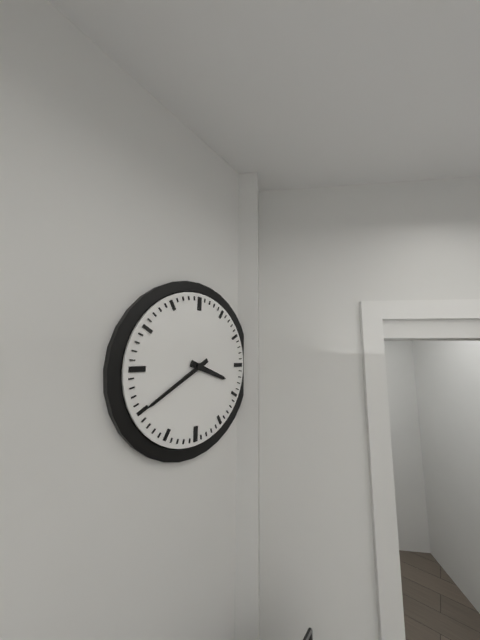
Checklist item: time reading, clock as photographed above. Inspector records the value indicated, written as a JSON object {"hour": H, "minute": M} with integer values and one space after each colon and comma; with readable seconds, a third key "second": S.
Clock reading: {"hour": 3, "minute": 40}
